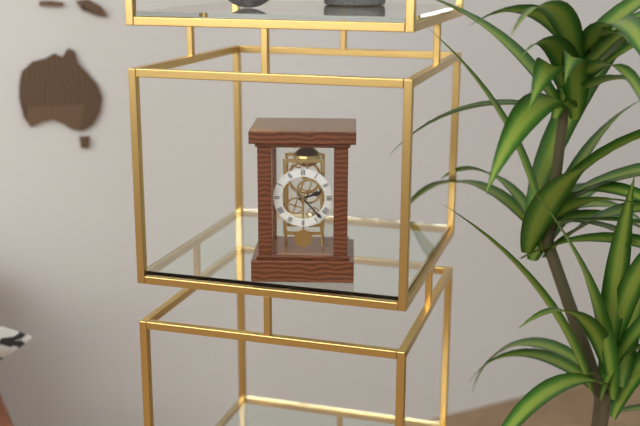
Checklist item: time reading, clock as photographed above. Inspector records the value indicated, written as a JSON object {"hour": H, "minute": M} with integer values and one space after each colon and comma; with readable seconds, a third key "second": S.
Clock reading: {"hour": 2, "minute": 23}
